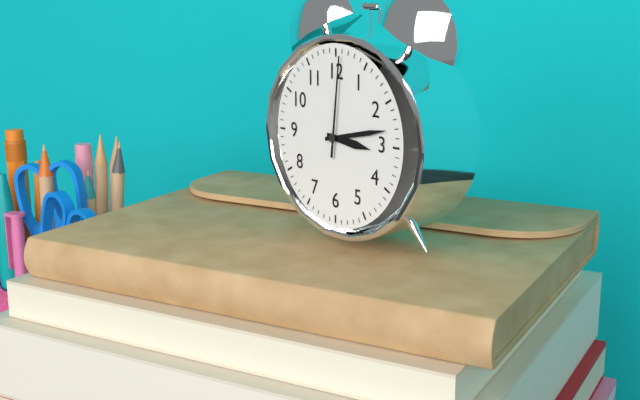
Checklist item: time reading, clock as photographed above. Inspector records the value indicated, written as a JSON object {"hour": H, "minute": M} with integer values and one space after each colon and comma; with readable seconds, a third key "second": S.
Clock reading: {"hour": 3, "minute": 13, "second": 1}
